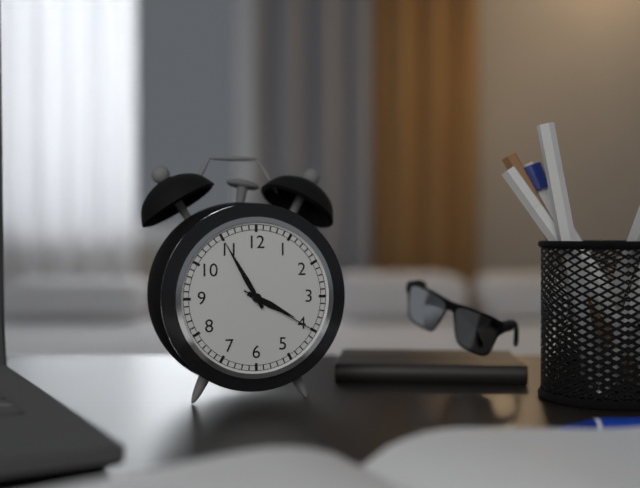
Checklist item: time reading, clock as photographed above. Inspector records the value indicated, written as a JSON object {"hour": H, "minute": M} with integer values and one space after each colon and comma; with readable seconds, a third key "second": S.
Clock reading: {"hour": 3, "minute": 55, "second": 20}
